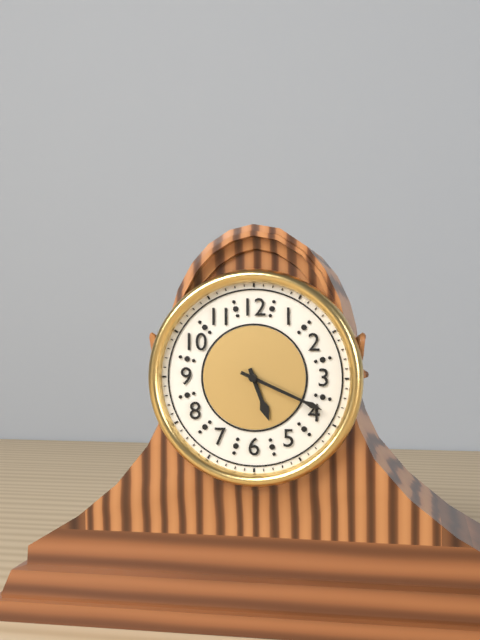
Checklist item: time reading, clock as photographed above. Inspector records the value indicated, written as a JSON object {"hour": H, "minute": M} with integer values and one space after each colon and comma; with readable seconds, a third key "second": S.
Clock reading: {"hour": 5, "minute": 19}
